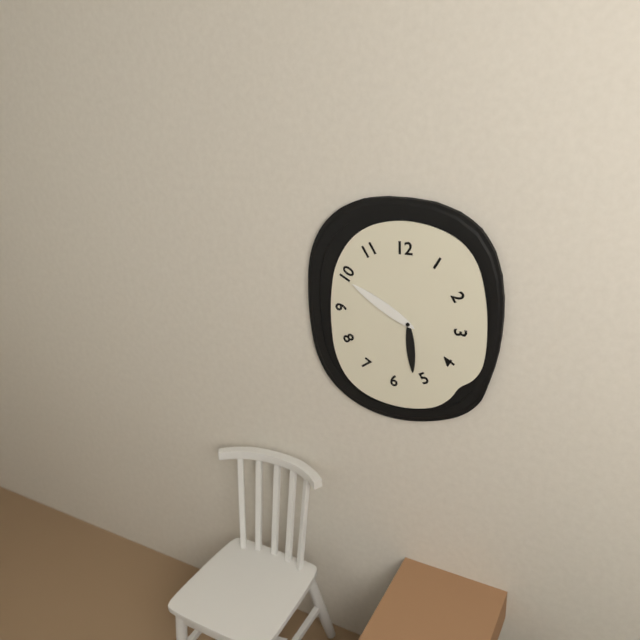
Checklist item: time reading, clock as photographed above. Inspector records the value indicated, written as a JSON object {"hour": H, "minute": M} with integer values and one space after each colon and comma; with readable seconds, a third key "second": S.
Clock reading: {"hour": 5, "minute": 50}
